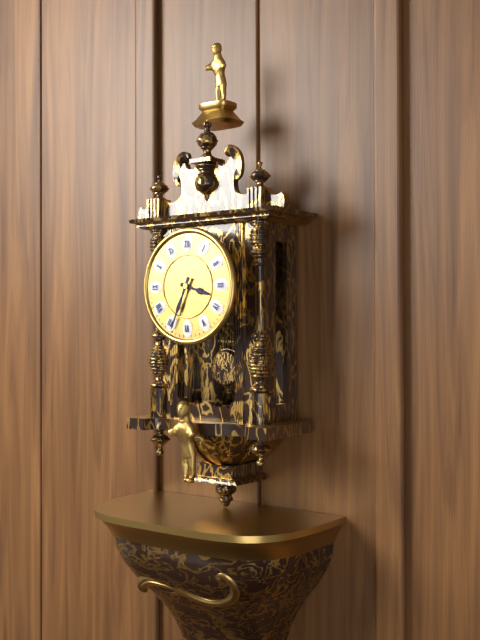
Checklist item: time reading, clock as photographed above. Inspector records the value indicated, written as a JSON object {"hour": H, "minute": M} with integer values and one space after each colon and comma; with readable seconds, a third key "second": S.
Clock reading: {"hour": 3, "minute": 34}
